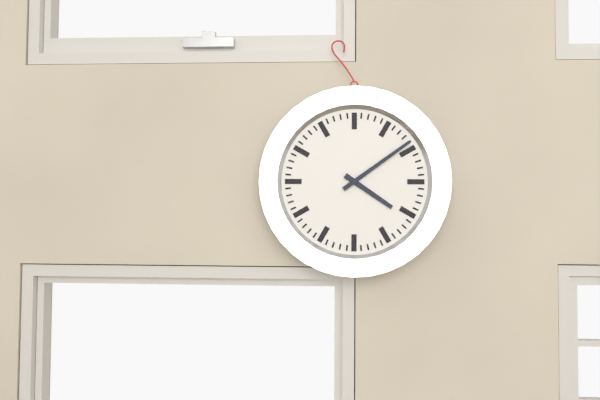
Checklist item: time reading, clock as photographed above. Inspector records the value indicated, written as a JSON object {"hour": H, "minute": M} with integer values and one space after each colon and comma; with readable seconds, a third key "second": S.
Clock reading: {"hour": 4, "minute": 9}
